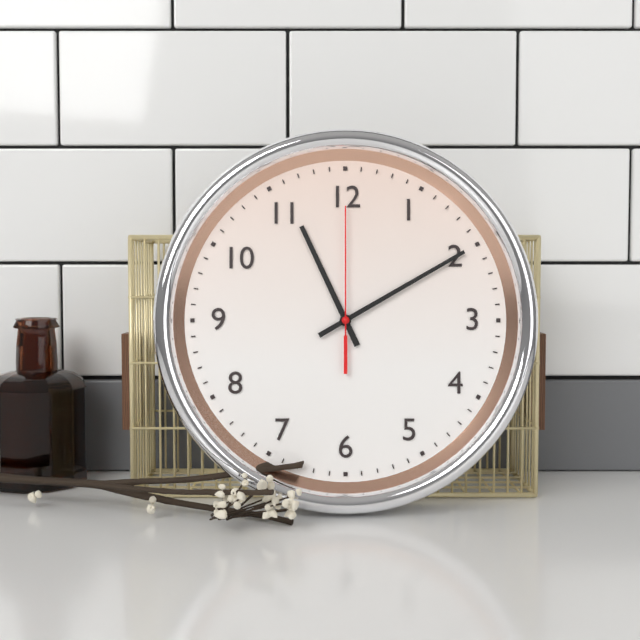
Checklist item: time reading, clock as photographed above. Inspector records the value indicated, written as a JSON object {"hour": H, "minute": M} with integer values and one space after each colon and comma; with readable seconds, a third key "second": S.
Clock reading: {"hour": 11, "minute": 10, "second": 0}
